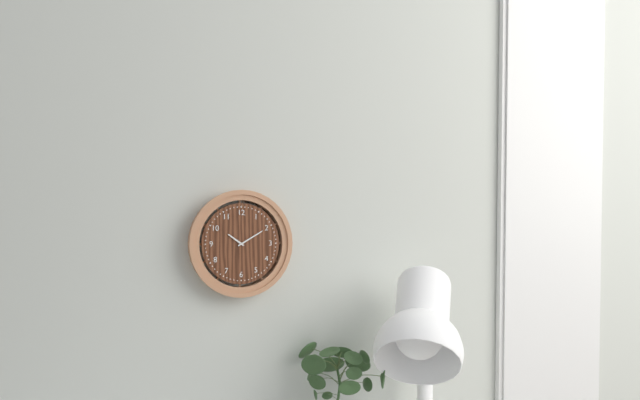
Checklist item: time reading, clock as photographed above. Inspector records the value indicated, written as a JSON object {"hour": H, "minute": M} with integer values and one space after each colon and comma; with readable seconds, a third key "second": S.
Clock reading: {"hour": 10, "minute": 10}
